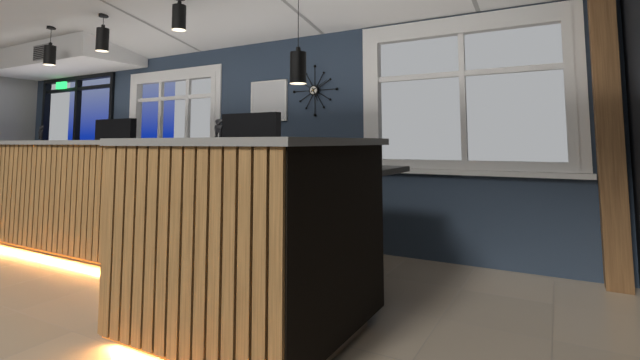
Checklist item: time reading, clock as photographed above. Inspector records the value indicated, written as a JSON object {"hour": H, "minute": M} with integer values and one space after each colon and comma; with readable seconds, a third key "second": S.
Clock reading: {"hour": 5, "minute": 10}
